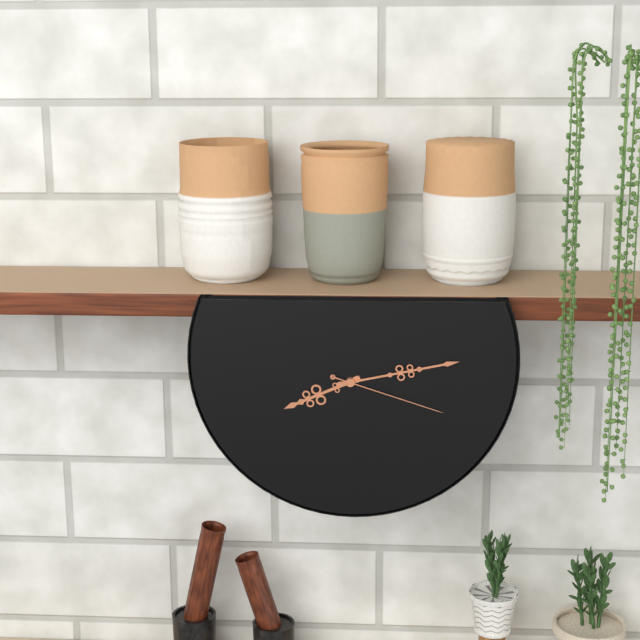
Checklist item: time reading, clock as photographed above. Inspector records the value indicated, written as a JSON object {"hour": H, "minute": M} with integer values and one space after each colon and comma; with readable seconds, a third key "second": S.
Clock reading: {"hour": 8, "minute": 13, "second": 18}
